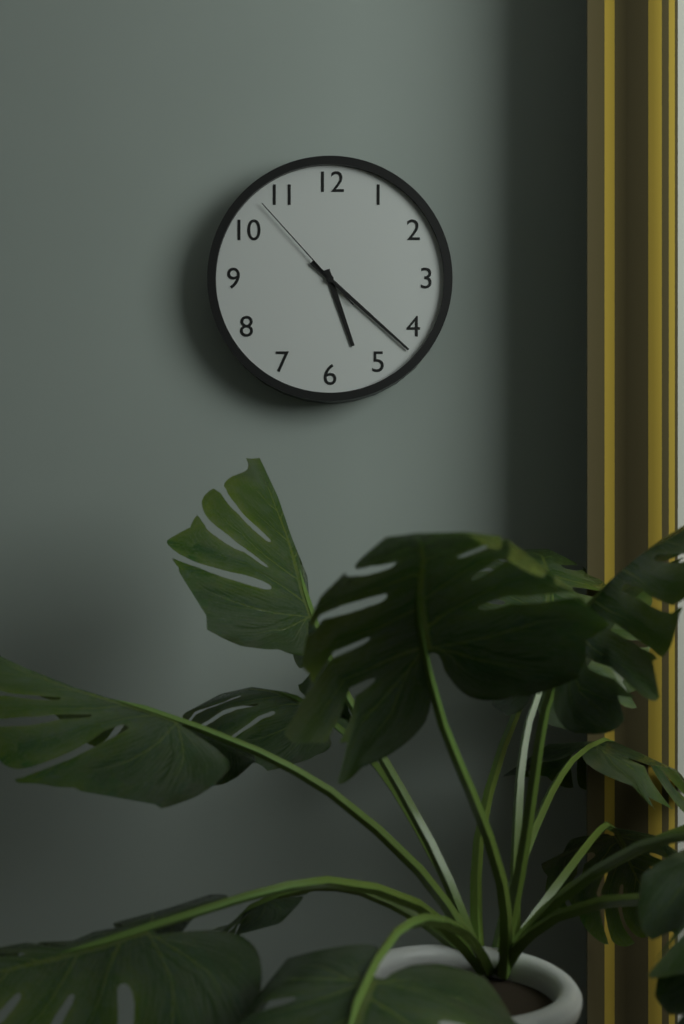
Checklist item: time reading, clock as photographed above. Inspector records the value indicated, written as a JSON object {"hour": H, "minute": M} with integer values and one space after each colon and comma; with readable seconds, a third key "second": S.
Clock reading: {"hour": 5, "minute": 22, "second": 53}
